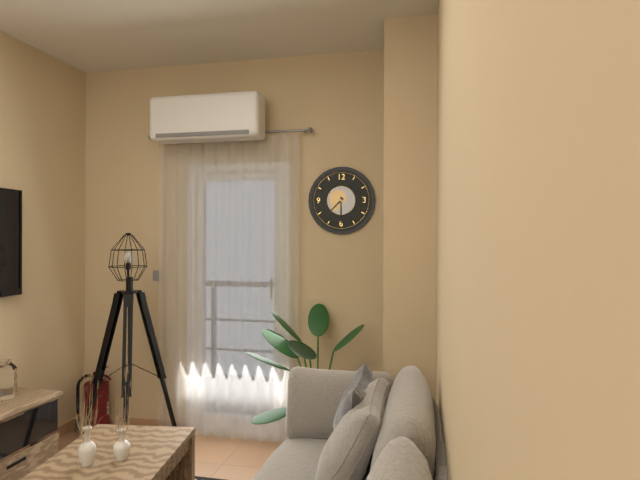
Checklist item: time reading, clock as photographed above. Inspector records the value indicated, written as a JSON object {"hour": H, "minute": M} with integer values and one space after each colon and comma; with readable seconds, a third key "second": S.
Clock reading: {"hour": 7, "minute": 30}
